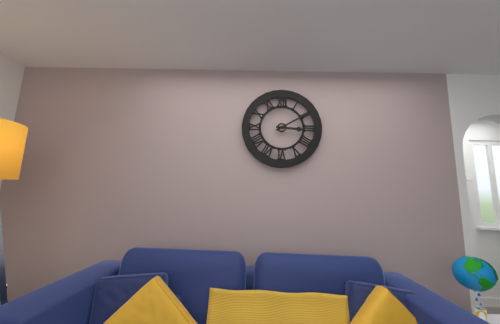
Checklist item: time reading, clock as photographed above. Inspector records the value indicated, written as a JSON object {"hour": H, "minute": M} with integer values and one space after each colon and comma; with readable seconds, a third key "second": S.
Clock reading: {"hour": 3, "minute": 10}
